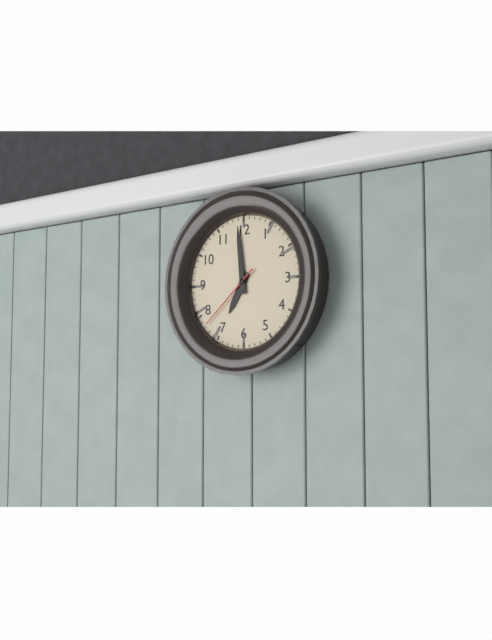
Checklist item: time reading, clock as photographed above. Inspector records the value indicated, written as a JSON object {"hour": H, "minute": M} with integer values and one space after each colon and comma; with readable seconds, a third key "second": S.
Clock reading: {"hour": 6, "minute": 59, "second": 38}
